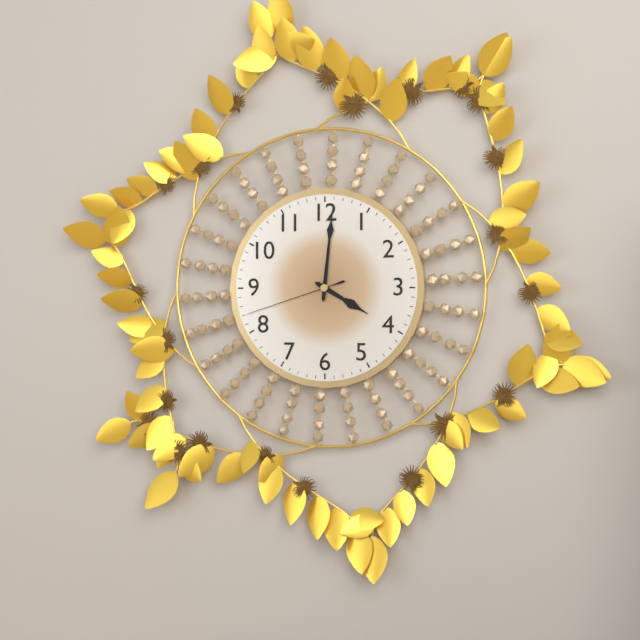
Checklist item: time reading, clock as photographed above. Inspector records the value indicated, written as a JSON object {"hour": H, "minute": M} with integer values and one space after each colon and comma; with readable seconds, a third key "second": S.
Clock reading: {"hour": 4, "minute": 1, "second": 42}
